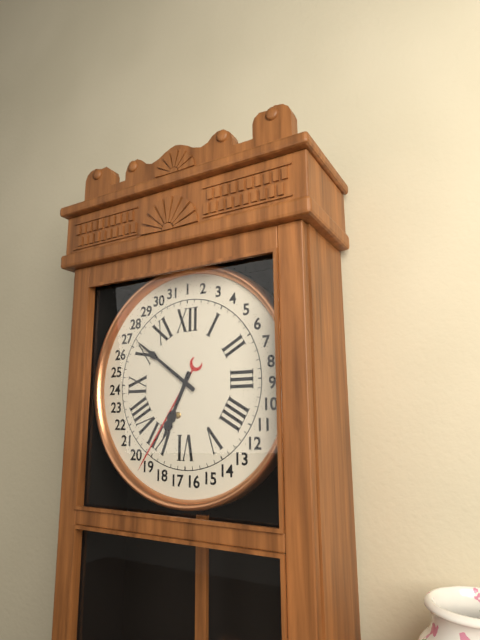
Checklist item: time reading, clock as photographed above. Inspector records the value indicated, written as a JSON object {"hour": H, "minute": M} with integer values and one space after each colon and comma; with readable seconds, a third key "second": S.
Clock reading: {"hour": 6, "minute": 51}
